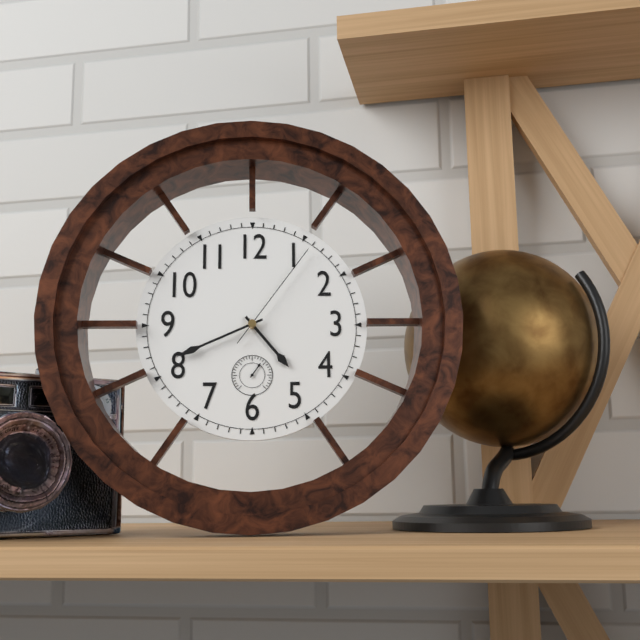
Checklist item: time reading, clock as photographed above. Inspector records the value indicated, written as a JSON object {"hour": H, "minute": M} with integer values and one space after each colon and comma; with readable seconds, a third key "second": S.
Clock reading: {"hour": 4, "minute": 41, "second": 6}
